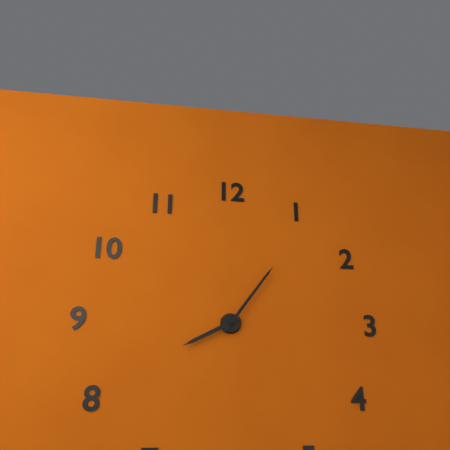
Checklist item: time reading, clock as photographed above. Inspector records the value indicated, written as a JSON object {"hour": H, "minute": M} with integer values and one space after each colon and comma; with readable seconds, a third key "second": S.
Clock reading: {"hour": 8, "minute": 6}
